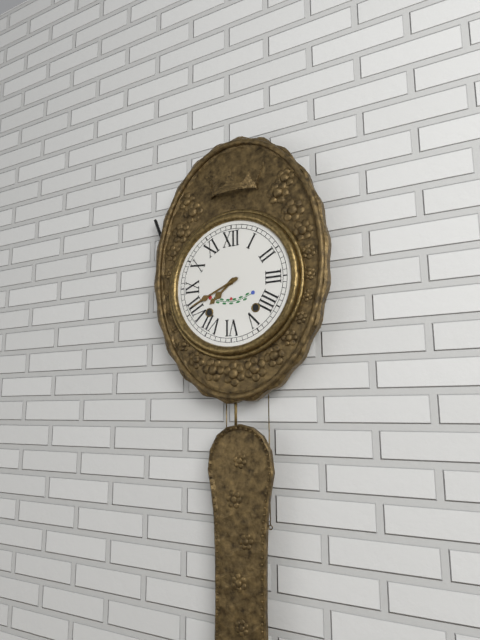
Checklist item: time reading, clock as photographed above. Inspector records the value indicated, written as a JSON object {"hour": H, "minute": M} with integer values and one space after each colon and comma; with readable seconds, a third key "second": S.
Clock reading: {"hour": 7, "minute": 41}
